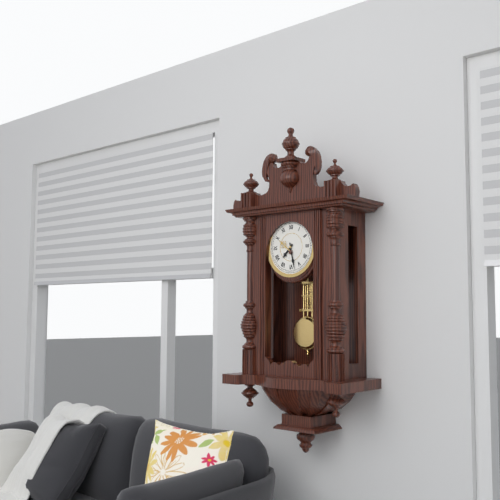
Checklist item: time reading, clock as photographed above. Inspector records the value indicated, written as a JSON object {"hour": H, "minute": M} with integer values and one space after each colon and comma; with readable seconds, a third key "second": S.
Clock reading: {"hour": 7, "minute": 28}
